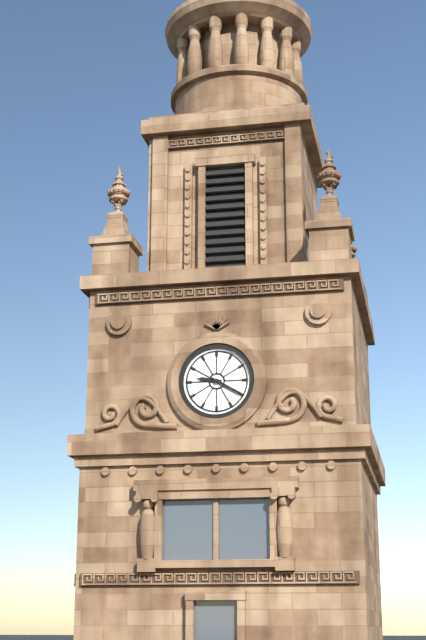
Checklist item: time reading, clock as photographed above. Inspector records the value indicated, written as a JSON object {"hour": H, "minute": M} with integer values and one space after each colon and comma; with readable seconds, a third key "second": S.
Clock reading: {"hour": 9, "minute": 20}
